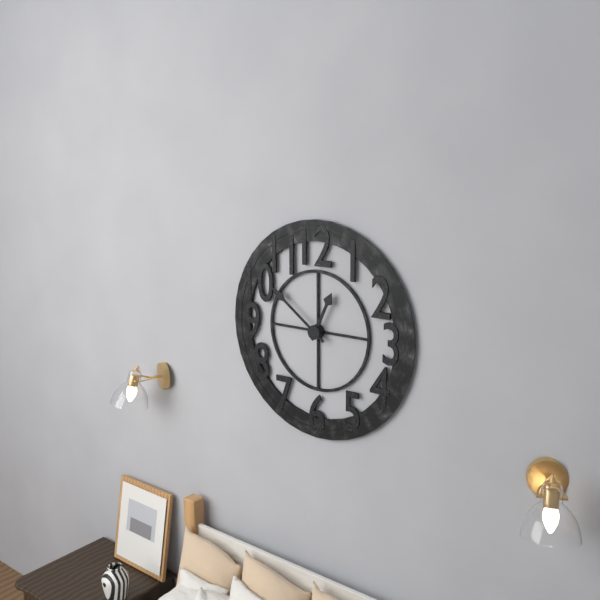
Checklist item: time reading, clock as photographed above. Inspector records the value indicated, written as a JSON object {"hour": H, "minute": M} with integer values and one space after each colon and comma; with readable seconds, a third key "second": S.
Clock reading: {"hour": 12, "minute": 51}
